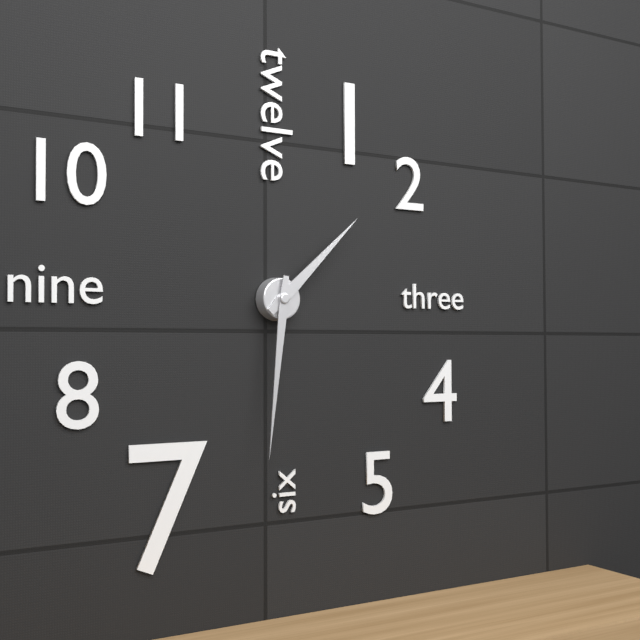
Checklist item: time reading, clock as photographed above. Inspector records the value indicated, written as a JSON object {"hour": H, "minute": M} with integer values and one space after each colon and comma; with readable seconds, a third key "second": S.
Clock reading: {"hour": 1, "minute": 31}
